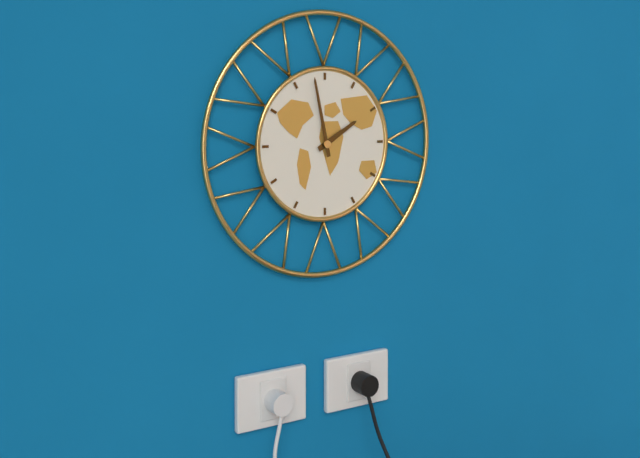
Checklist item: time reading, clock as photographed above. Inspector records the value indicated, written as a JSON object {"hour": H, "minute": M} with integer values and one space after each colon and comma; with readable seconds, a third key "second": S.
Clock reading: {"hour": 1, "minute": 58}
